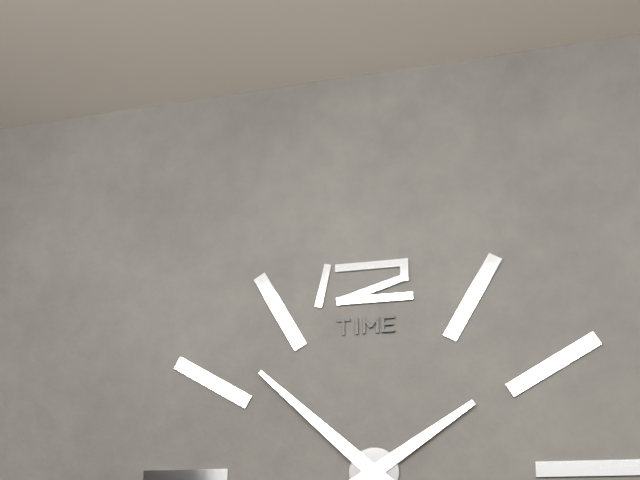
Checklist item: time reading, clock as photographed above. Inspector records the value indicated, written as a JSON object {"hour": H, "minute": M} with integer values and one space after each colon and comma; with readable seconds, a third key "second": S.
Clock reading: {"hour": 1, "minute": 52}
